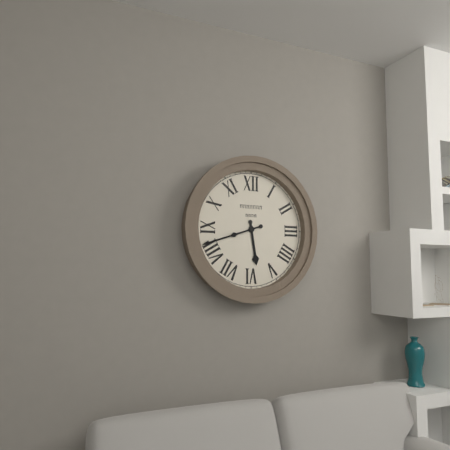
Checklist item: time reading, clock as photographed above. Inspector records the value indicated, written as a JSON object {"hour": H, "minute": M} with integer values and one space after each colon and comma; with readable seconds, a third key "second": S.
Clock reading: {"hour": 5, "minute": 42}
